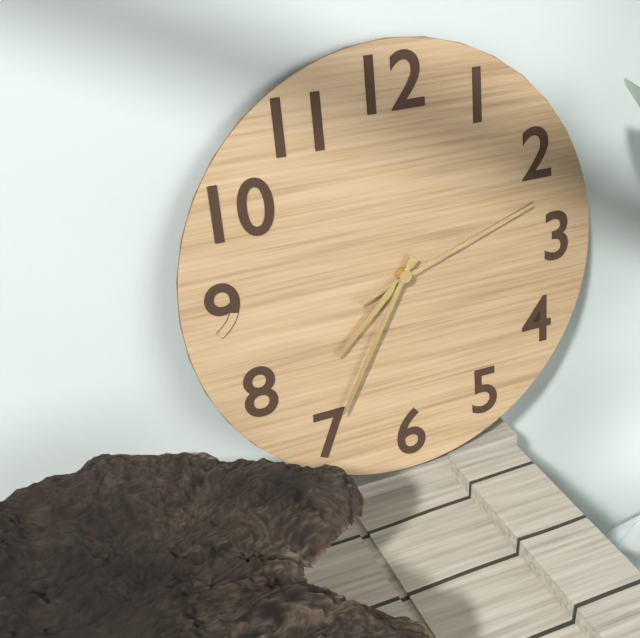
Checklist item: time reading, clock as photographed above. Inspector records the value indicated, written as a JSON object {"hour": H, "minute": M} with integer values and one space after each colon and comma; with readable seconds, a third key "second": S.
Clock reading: {"hour": 7, "minute": 35, "second": 12}
